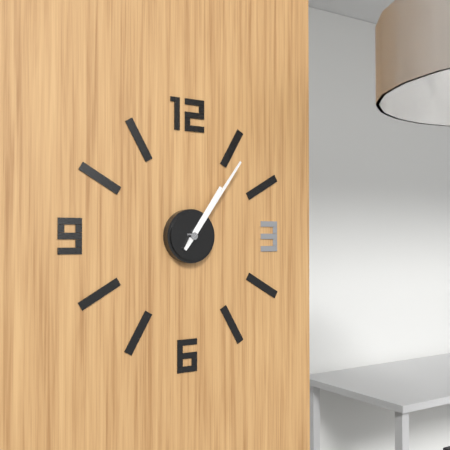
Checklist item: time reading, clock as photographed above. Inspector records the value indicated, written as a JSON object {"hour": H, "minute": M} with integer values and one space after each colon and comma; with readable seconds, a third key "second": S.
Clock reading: {"hour": 1, "minute": 6}
